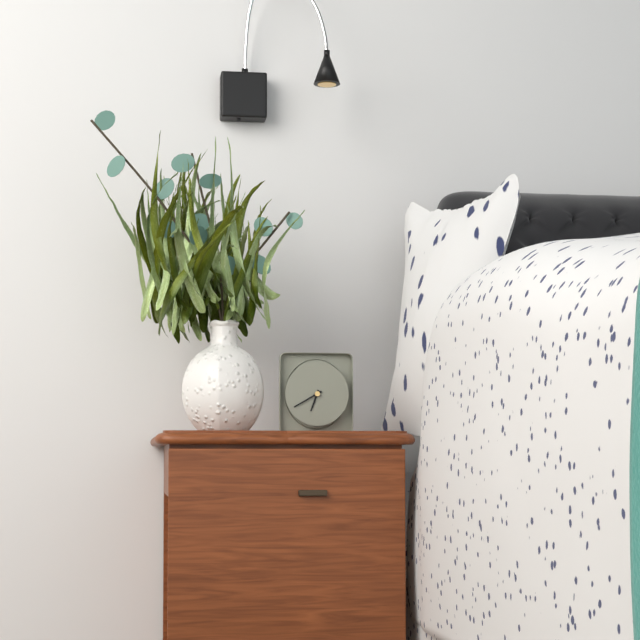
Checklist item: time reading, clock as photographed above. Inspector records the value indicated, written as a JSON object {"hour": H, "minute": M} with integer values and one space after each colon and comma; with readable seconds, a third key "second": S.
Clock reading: {"hour": 6, "minute": 40}
